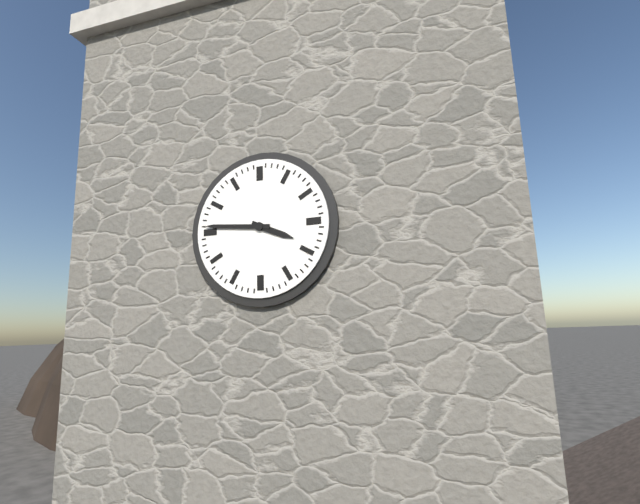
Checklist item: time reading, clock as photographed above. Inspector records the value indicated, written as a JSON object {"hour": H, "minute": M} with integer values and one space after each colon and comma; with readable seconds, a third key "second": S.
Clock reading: {"hour": 3, "minute": 46}
